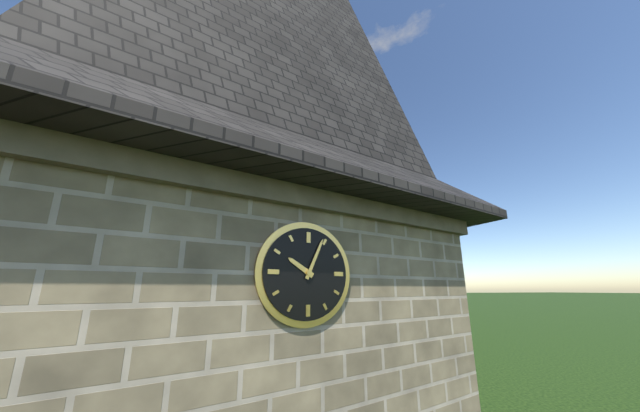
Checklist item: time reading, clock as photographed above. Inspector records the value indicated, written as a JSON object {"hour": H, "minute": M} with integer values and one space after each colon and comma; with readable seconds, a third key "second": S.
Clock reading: {"hour": 10, "minute": 4}
